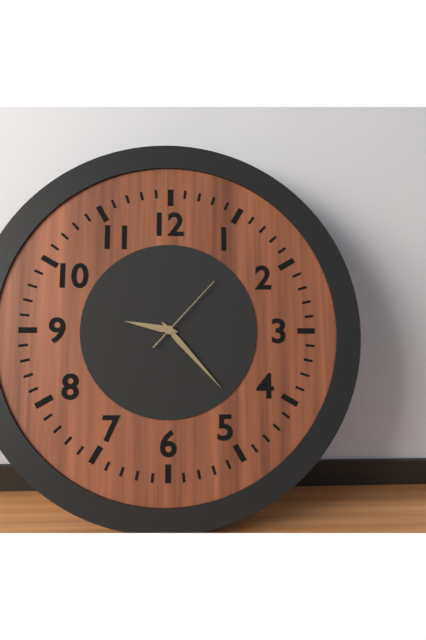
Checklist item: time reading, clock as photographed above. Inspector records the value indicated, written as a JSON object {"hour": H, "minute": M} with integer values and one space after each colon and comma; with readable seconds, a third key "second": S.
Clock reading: {"hour": 9, "minute": 23, "second": 7}
